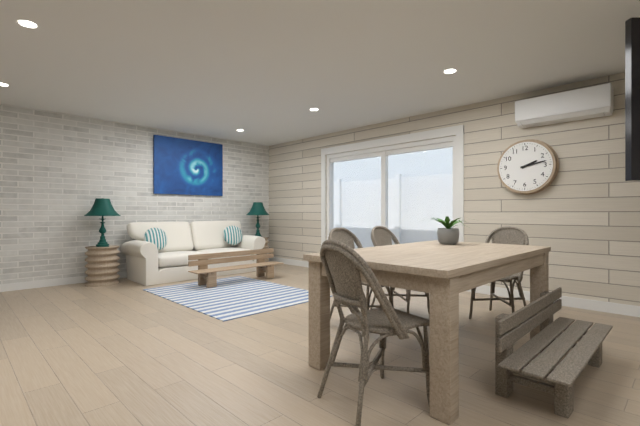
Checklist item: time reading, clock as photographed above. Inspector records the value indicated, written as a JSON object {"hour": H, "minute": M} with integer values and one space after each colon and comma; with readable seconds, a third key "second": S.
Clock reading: {"hour": 2, "minute": 13}
